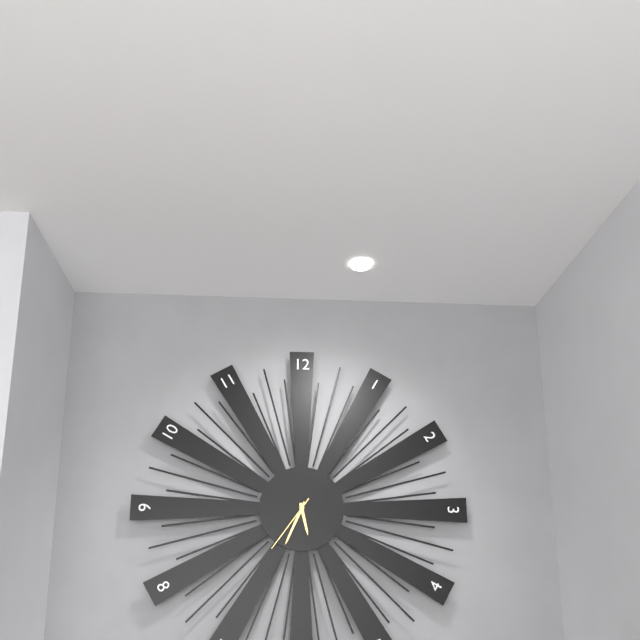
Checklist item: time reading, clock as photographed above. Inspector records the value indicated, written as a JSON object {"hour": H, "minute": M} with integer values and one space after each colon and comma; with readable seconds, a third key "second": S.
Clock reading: {"hour": 5, "minute": 34, "second": 36}
